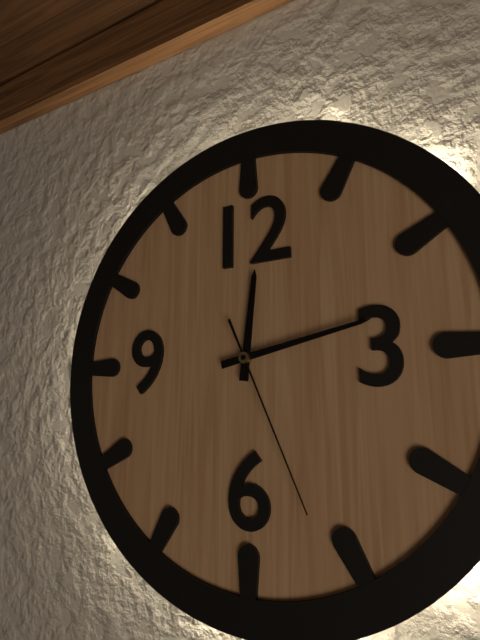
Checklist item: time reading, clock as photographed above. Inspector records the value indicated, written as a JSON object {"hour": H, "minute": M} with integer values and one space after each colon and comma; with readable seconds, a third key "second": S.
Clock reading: {"hour": 12, "minute": 13, "second": 26}
